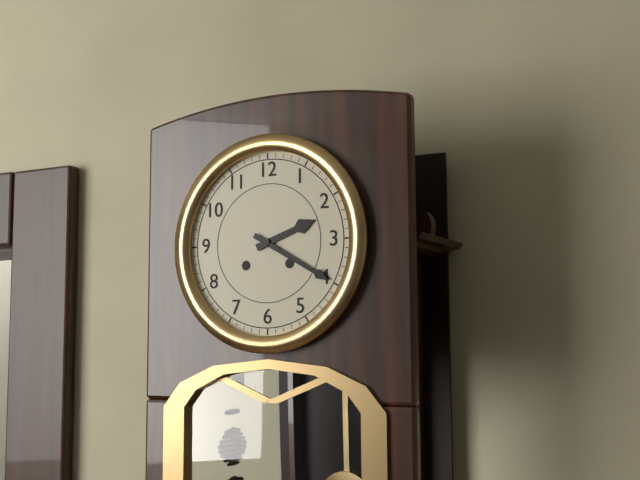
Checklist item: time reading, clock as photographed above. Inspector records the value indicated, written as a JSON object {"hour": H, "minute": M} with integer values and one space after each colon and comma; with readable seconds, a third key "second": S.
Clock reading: {"hour": 2, "minute": 20}
